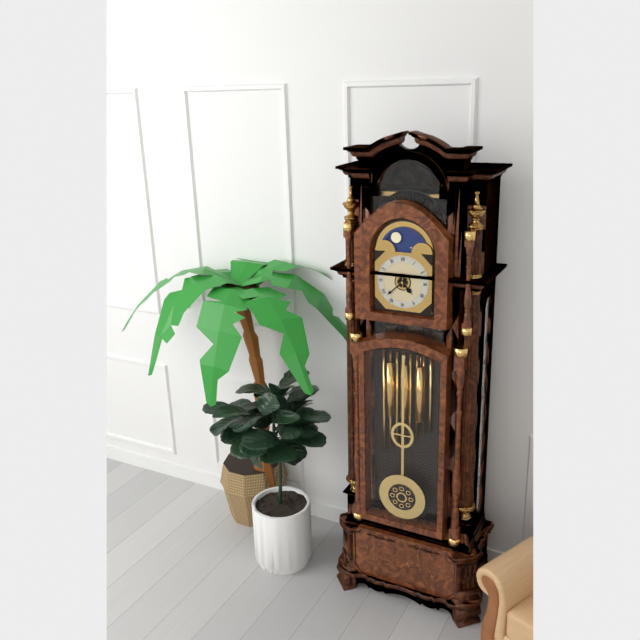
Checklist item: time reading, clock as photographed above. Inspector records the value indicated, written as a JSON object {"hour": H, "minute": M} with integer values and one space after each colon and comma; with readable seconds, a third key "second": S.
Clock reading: {"hour": 4, "minute": 38}
